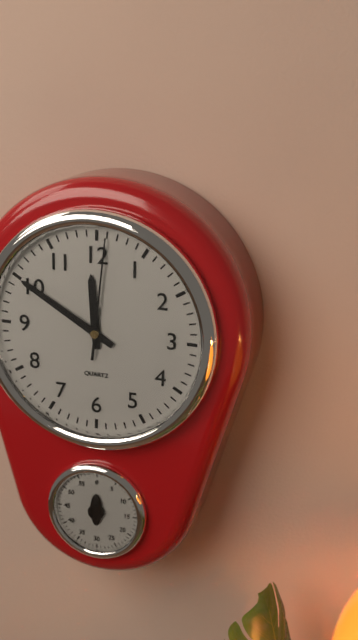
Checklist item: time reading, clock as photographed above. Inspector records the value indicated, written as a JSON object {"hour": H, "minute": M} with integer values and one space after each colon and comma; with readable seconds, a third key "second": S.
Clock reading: {"hour": 11, "minute": 50, "second": 1}
